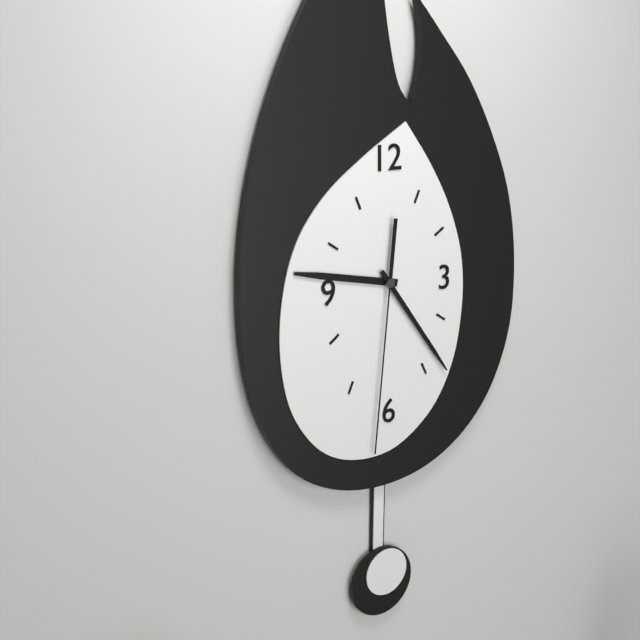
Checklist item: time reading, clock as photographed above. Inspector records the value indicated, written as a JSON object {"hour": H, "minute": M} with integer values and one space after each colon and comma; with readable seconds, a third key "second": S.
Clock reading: {"hour": 9, "minute": 24, "second": 31}
